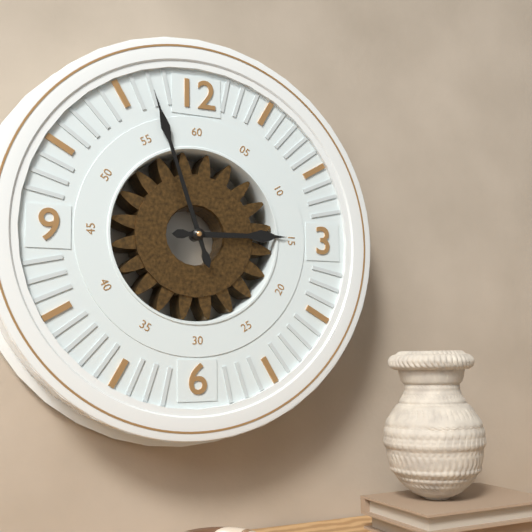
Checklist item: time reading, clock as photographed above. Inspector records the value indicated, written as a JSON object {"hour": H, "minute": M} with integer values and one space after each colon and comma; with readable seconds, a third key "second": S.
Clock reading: {"hour": 2, "minute": 57}
